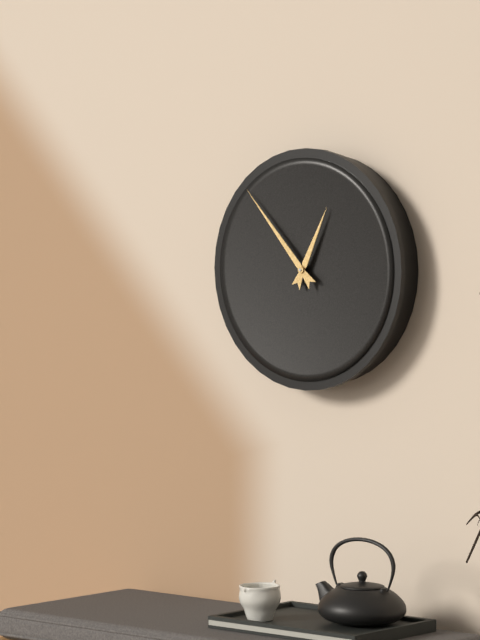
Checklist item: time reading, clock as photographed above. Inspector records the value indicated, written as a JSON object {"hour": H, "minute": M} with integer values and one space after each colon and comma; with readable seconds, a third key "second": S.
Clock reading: {"hour": 12, "minute": 53}
